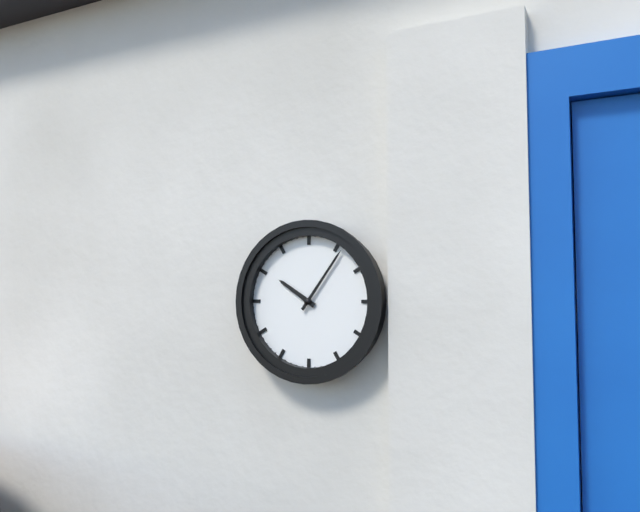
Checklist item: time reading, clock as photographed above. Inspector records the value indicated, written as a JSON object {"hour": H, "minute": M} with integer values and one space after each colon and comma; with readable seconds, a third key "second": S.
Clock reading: {"hour": 10, "minute": 6}
